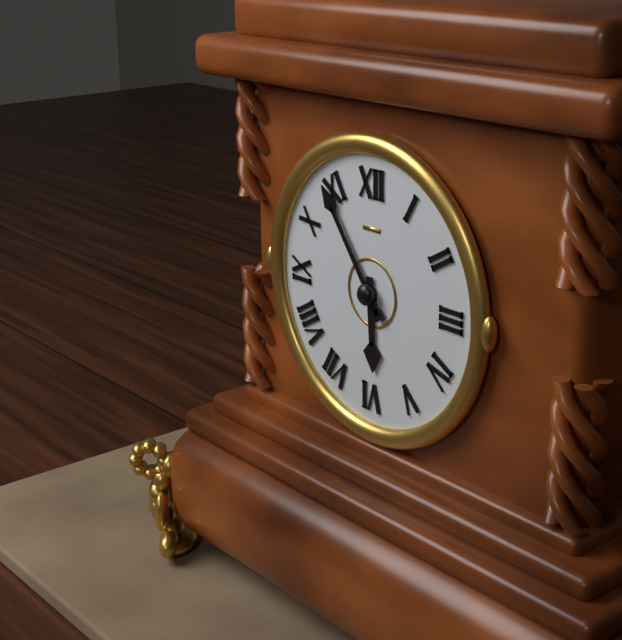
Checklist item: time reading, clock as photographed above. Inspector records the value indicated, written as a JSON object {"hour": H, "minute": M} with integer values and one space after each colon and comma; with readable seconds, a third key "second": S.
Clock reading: {"hour": 5, "minute": 54}
